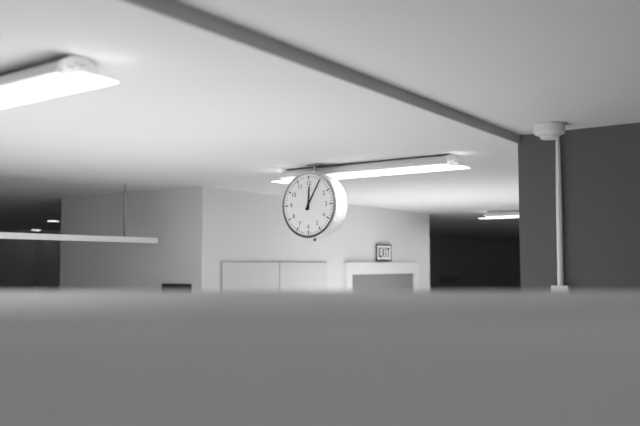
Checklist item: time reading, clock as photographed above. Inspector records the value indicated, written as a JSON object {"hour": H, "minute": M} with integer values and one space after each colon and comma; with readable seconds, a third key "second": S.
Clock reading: {"hour": 12, "minute": 5}
